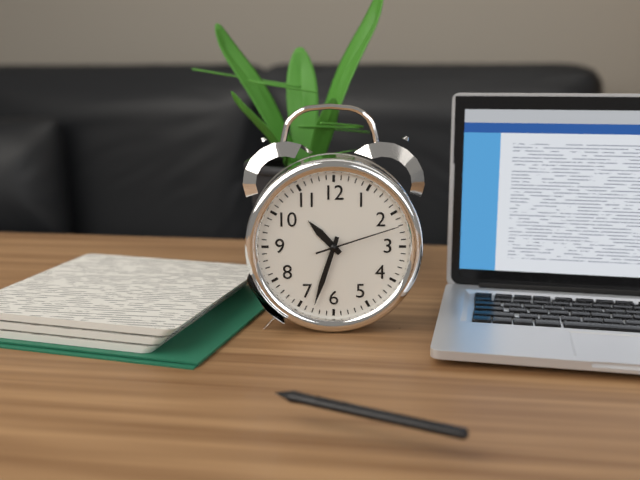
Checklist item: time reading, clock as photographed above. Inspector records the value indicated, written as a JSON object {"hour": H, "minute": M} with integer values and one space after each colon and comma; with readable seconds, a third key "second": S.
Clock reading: {"hour": 10, "minute": 33, "second": 12}
